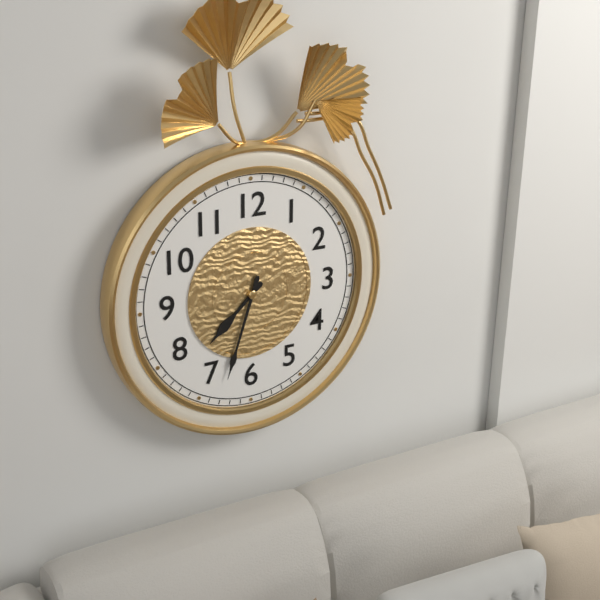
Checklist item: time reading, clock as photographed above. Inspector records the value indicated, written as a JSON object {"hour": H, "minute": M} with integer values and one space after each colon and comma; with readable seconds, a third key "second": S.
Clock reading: {"hour": 7, "minute": 33}
